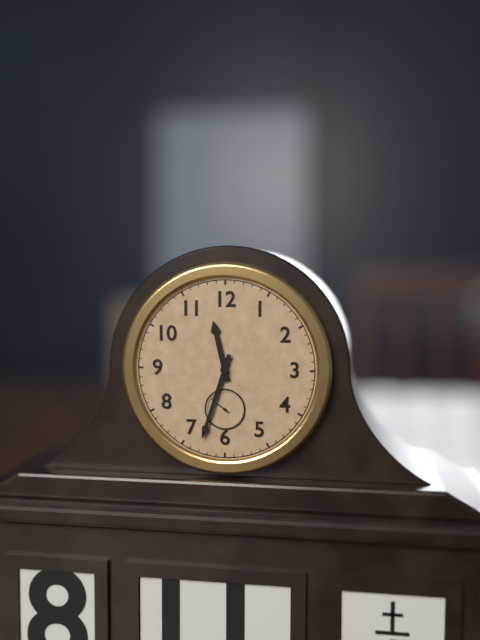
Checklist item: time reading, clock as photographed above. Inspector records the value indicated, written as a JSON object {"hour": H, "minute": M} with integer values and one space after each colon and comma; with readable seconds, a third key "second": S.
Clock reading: {"hour": 11, "minute": 33}
